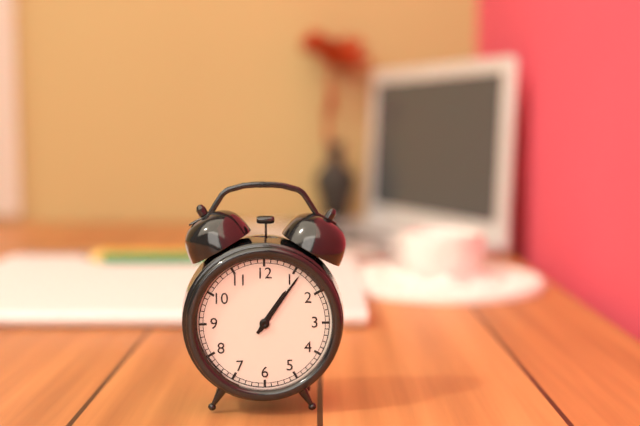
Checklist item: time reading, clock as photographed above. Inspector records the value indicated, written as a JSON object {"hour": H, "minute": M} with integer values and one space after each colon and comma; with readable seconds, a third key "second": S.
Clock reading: {"hour": 1, "minute": 6}
